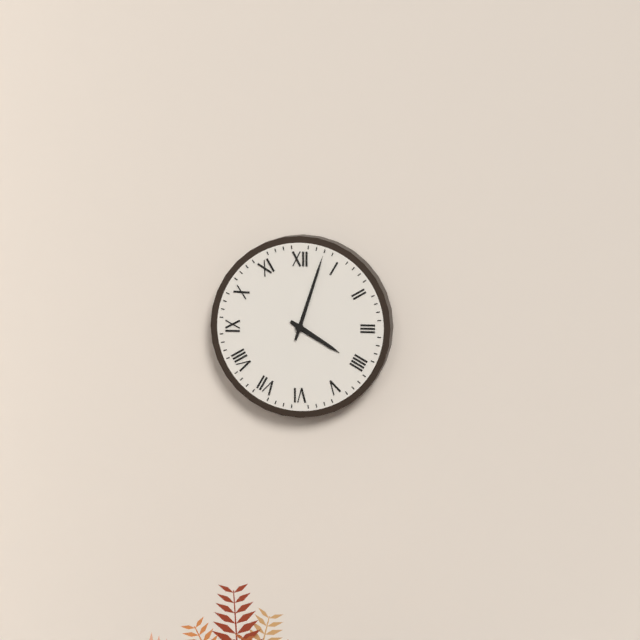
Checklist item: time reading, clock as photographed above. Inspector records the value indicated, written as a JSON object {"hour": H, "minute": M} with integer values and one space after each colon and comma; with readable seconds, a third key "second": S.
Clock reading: {"hour": 4, "minute": 3}
